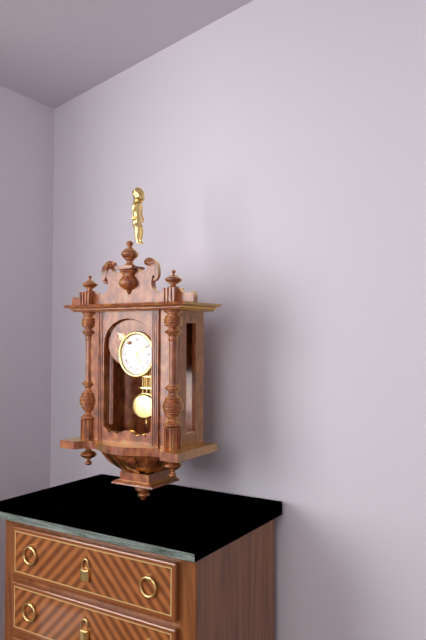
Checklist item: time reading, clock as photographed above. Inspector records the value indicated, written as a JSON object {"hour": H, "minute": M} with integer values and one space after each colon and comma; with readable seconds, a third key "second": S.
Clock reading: {"hour": 5, "minute": 9}
